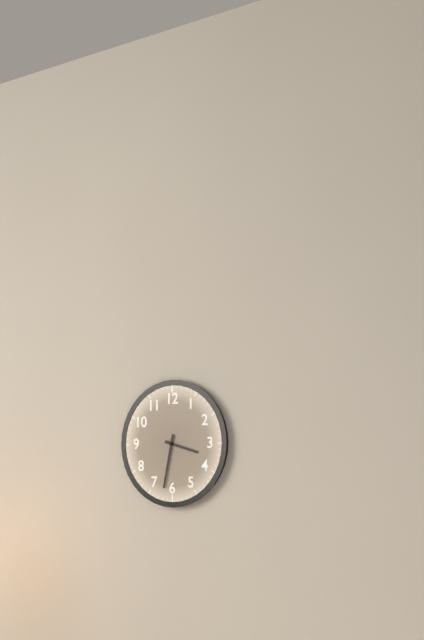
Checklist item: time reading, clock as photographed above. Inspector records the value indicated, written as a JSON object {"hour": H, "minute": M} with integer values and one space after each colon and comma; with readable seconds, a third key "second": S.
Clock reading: {"hour": 3, "minute": 32}
